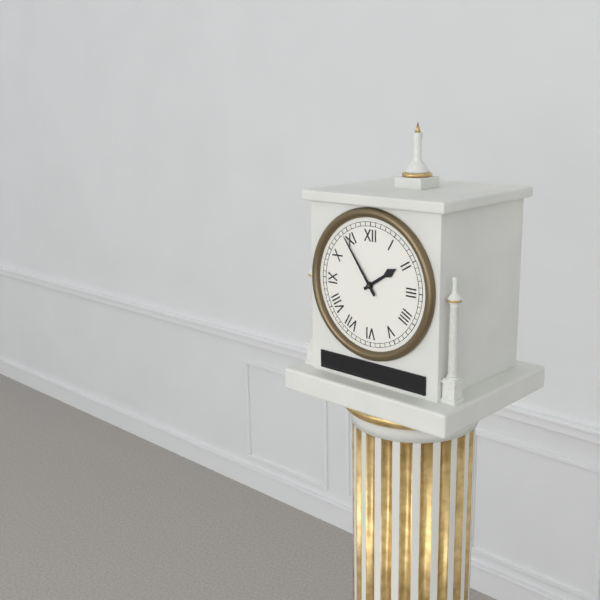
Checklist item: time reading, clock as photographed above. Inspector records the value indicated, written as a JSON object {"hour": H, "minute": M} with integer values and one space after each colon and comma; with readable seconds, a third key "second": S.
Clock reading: {"hour": 1, "minute": 54}
